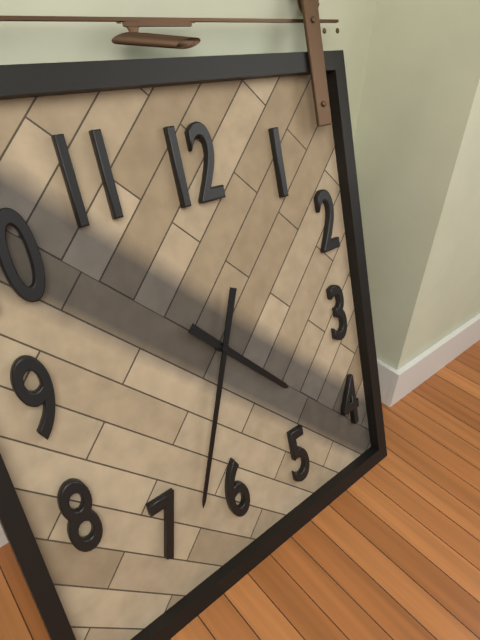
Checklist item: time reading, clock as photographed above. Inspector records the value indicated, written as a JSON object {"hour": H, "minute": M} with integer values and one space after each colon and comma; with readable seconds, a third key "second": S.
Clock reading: {"hour": 4, "minute": 34}
